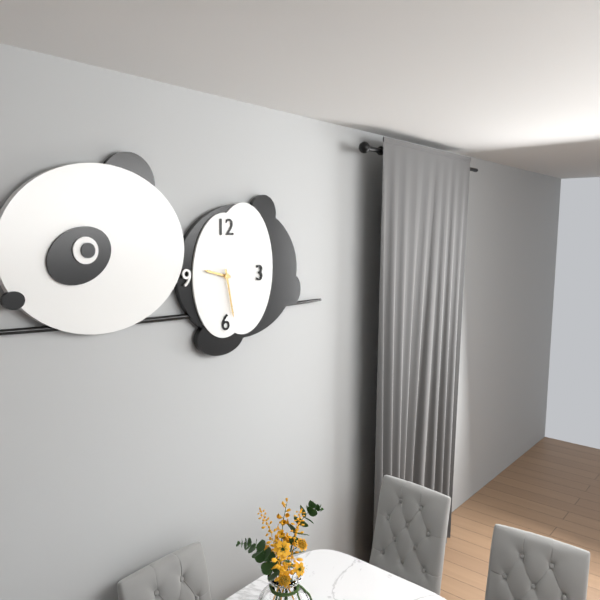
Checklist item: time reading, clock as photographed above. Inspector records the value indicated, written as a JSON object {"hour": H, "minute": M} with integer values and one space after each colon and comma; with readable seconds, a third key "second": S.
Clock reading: {"hour": 9, "minute": 28}
